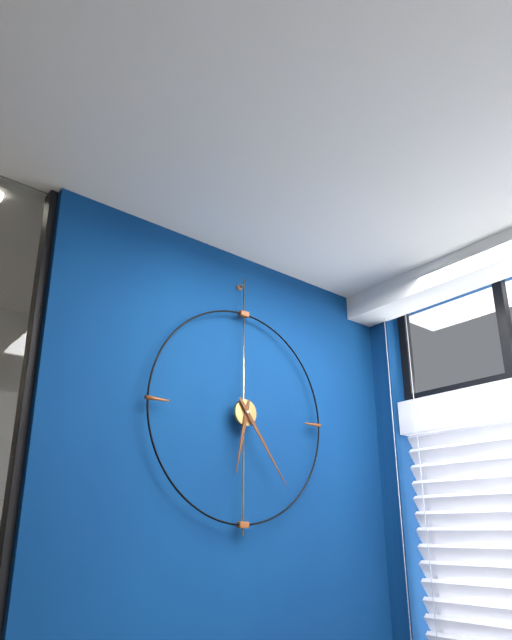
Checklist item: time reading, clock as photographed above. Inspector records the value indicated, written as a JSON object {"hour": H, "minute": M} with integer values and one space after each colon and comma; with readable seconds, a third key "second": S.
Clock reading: {"hour": 6, "minute": 24}
